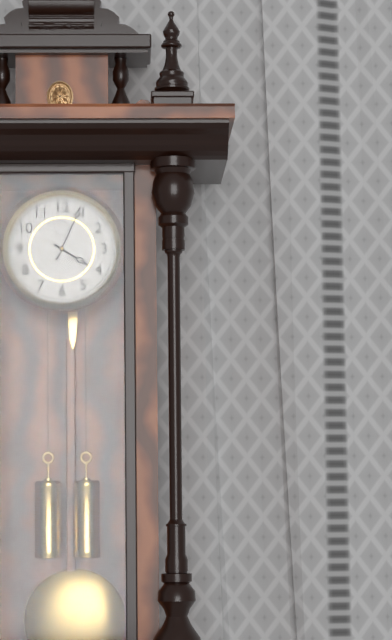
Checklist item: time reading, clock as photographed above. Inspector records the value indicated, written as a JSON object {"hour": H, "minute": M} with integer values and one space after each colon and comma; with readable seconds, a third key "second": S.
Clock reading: {"hour": 4, "minute": 4}
